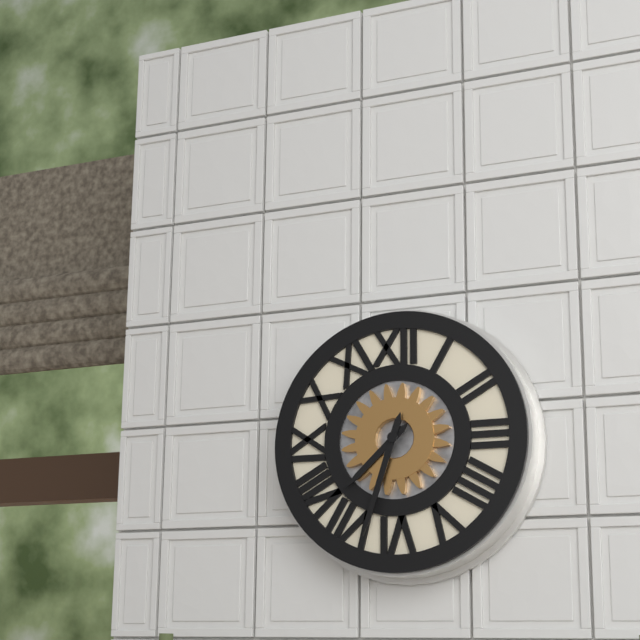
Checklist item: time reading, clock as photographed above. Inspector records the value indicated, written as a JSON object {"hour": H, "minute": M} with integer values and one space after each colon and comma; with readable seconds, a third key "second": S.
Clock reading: {"hour": 7, "minute": 33}
